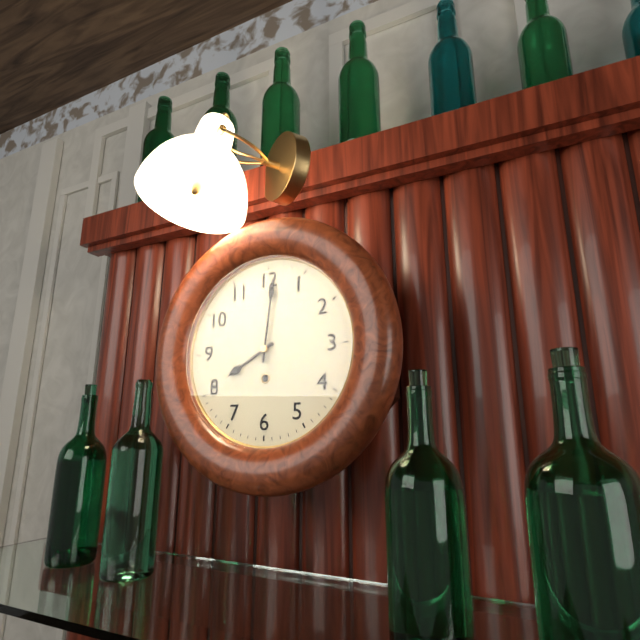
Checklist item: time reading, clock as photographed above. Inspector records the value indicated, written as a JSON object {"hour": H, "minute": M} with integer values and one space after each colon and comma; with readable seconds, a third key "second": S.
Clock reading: {"hour": 8, "minute": 1}
